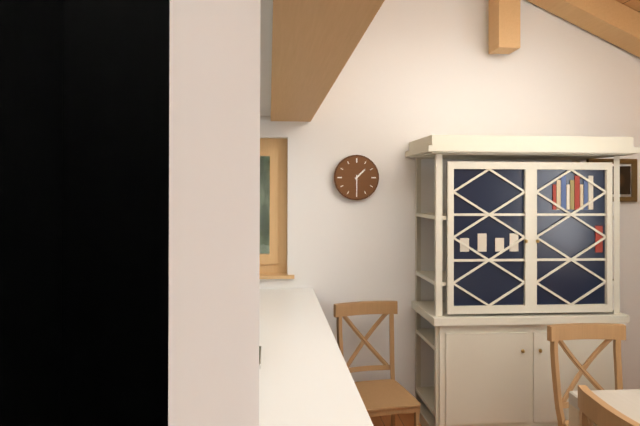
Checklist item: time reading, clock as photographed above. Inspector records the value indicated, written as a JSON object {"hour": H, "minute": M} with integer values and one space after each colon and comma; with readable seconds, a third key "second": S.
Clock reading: {"hour": 1, "minute": 30}
